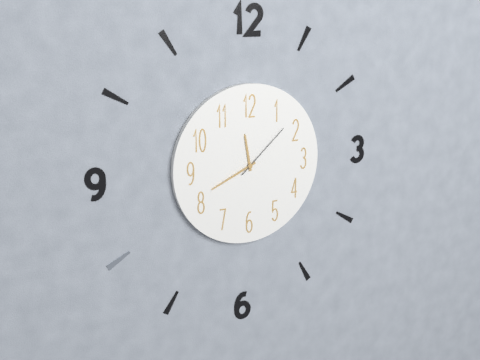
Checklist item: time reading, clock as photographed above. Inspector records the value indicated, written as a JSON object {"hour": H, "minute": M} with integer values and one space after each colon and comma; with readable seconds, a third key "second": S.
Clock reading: {"hour": 11, "minute": 41, "second": 8}
